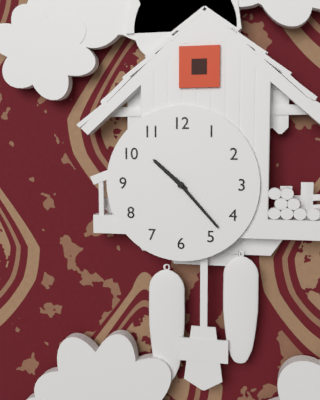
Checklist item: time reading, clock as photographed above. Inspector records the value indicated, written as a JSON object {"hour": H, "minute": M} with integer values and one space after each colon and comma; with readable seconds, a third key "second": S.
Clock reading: {"hour": 10, "minute": 23}
